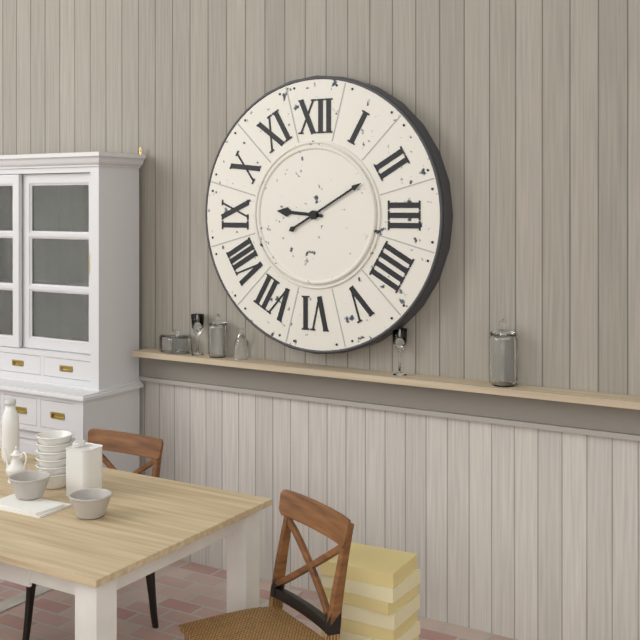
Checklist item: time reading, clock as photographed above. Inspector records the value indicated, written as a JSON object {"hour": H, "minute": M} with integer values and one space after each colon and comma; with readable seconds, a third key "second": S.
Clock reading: {"hour": 9, "minute": 10}
